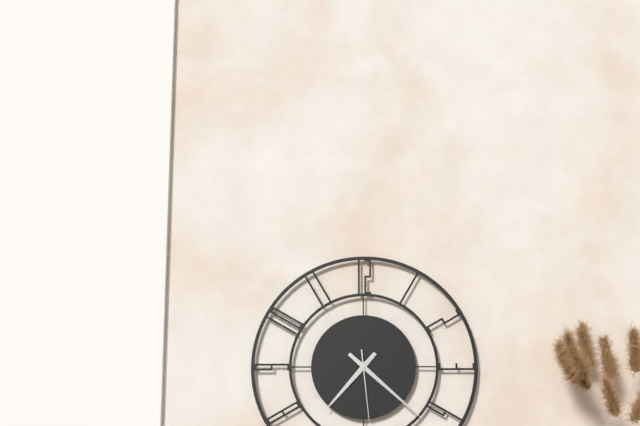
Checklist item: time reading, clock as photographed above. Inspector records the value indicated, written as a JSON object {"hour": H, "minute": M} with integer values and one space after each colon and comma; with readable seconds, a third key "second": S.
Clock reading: {"hour": 7, "minute": 22}
